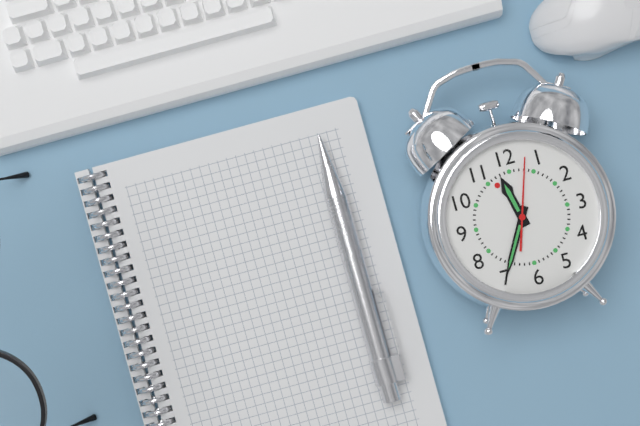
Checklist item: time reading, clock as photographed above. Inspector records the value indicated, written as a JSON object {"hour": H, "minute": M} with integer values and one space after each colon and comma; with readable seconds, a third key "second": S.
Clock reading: {"hour": 11, "minute": 35, "second": 3}
